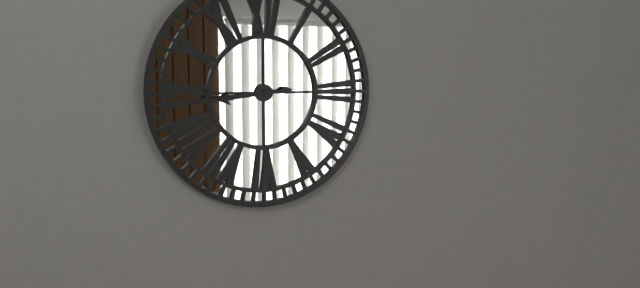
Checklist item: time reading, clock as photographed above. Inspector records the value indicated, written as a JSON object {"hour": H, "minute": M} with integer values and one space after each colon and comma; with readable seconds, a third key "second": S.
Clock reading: {"hour": 8, "minute": 44}
